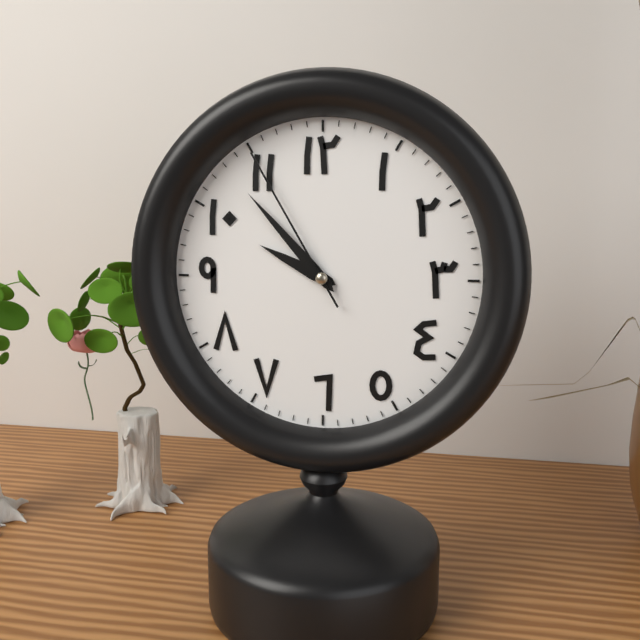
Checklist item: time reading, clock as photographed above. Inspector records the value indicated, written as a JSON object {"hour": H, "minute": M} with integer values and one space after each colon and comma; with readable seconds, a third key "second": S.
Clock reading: {"hour": 9, "minute": 53, "second": 55}
